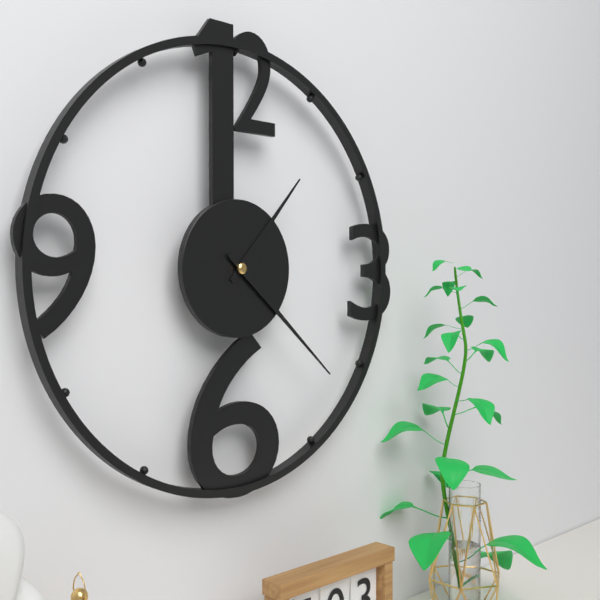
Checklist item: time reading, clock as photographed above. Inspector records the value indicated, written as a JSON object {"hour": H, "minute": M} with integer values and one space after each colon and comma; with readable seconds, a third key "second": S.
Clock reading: {"hour": 1, "minute": 22}
